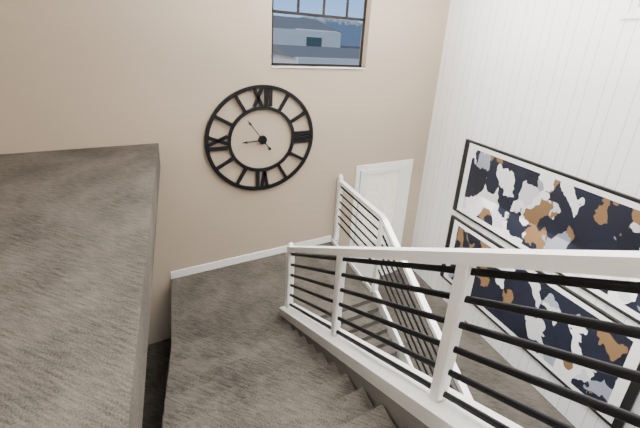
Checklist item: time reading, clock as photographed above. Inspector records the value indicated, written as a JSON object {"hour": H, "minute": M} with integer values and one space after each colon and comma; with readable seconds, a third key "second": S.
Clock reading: {"hour": 8, "minute": 54}
